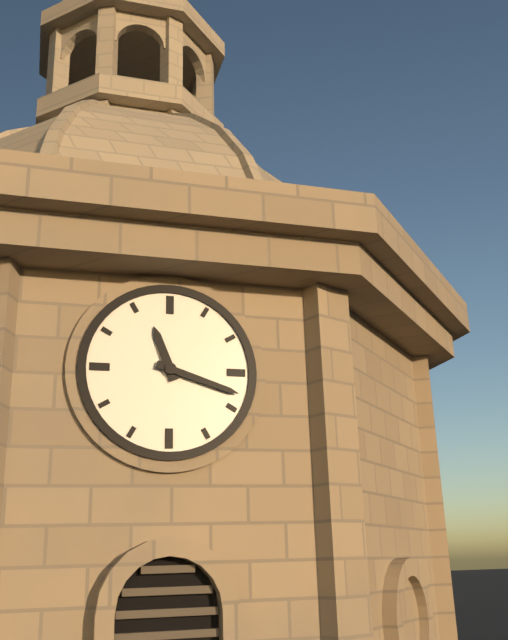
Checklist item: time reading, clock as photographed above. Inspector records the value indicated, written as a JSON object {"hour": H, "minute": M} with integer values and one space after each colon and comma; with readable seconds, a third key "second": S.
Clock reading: {"hour": 11, "minute": 18}
